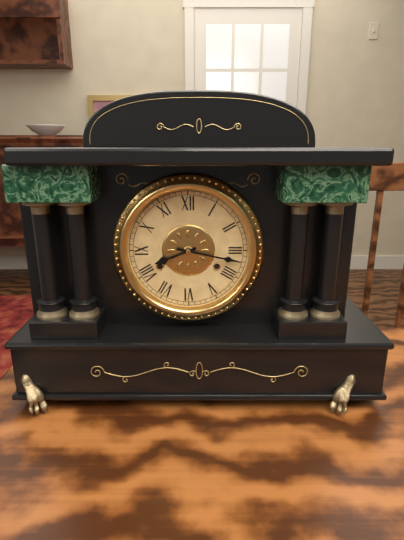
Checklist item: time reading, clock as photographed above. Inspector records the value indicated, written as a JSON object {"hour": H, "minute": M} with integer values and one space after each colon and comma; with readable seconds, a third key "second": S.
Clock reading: {"hour": 8, "minute": 17}
